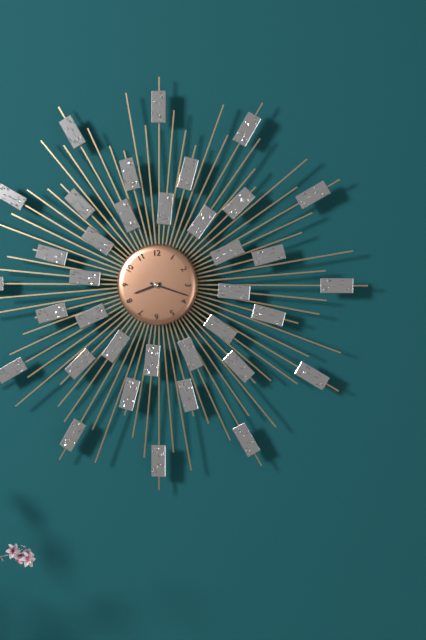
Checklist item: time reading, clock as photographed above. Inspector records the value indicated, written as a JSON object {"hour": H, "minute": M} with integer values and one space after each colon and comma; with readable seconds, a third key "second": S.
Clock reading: {"hour": 8, "minute": 18}
